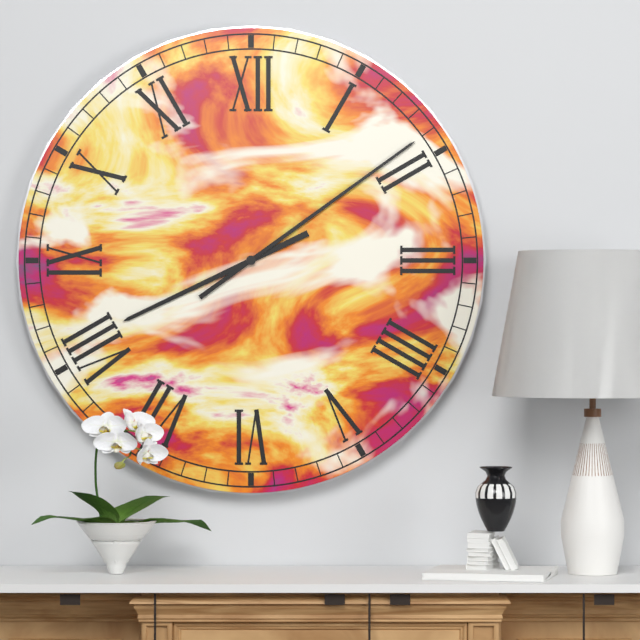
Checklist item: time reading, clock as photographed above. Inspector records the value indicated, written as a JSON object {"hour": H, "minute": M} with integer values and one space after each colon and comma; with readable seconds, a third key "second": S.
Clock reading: {"hour": 8, "minute": 9}
